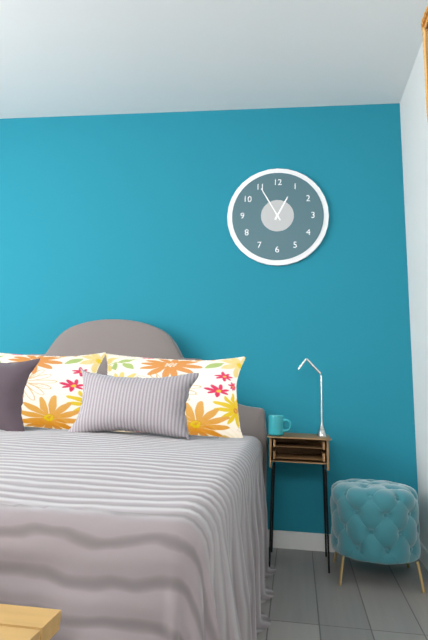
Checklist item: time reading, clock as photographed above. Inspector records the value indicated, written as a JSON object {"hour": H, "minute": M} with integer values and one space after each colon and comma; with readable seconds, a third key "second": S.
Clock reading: {"hour": 12, "minute": 55}
